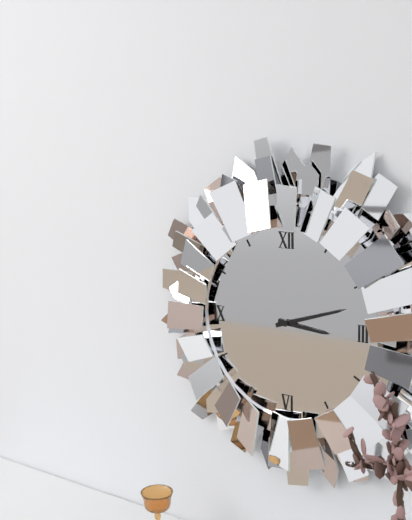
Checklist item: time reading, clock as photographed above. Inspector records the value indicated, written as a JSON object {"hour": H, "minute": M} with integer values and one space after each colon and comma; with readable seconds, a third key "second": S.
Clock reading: {"hour": 3, "minute": 12}
